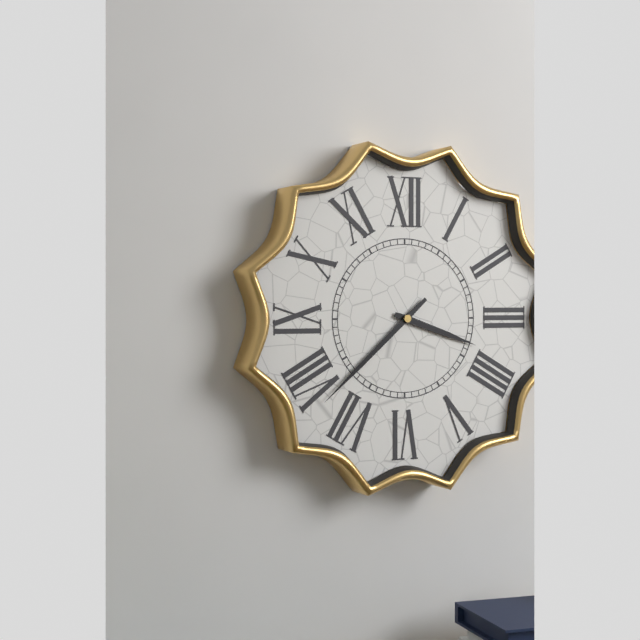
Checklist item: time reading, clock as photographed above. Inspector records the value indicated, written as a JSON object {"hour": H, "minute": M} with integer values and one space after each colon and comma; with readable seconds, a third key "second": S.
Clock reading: {"hour": 3, "minute": 38}
